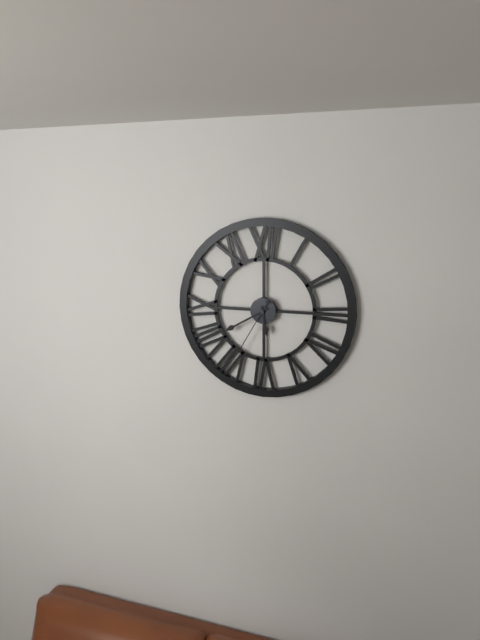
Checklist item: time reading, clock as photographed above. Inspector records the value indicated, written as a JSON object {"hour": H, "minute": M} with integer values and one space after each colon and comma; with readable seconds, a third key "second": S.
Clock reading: {"hour": 5, "minute": 40, "second": 35}
